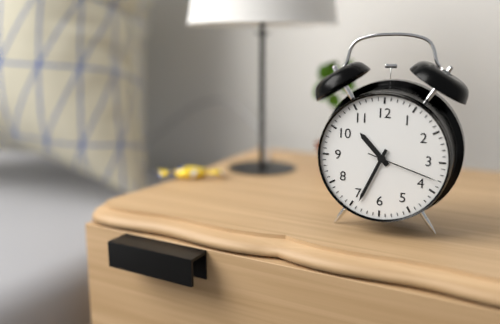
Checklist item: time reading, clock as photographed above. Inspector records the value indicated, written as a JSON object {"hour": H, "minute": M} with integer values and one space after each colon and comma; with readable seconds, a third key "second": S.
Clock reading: {"hour": 10, "minute": 34, "second": 18}
